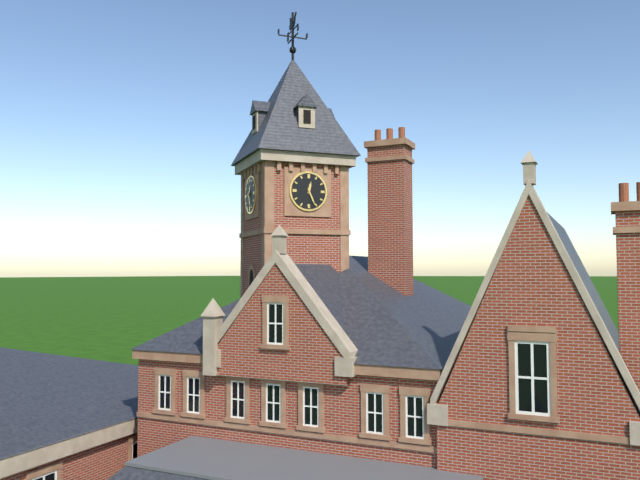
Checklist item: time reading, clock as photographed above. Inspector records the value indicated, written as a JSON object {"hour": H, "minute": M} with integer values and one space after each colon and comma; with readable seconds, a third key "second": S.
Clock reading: {"hour": 12, "minute": 26}
